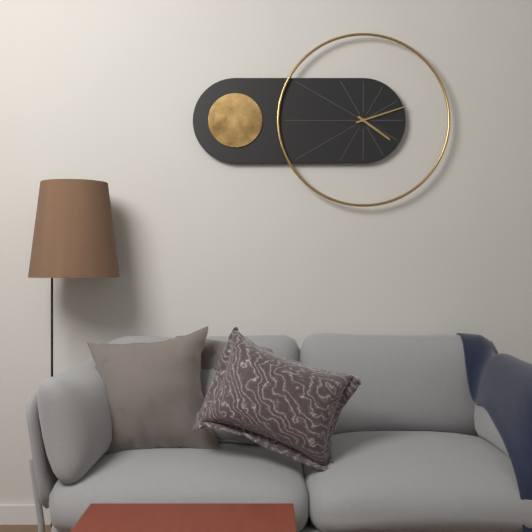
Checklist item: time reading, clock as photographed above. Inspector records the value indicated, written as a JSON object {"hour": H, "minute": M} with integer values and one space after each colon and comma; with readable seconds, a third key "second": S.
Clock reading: {"hour": 4, "minute": 12}
